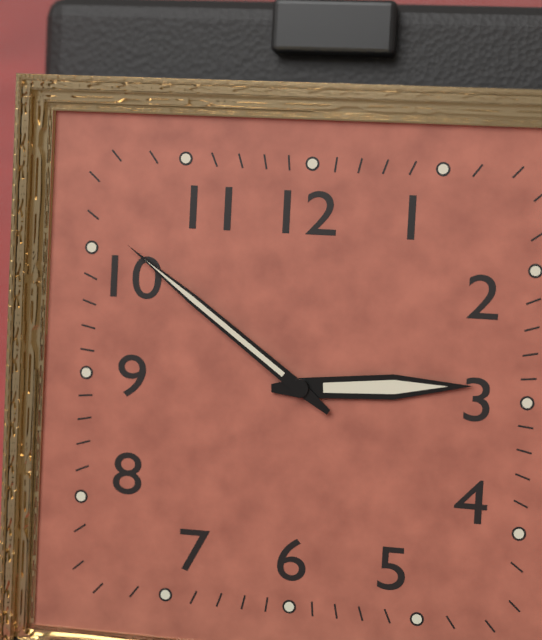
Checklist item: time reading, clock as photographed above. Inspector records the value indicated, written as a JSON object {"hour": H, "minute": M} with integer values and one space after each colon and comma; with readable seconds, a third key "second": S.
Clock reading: {"hour": 2, "minute": 51}
